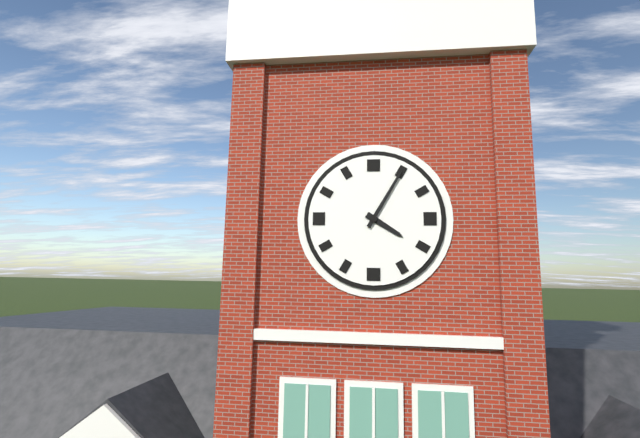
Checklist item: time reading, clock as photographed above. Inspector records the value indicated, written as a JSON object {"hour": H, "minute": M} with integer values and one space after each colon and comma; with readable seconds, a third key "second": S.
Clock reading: {"hour": 4, "minute": 5}
